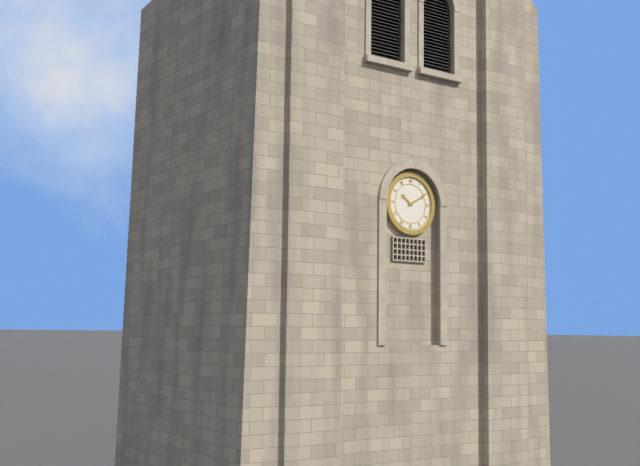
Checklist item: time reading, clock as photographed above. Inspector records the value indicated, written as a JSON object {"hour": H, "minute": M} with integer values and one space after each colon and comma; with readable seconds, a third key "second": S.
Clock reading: {"hour": 10, "minute": 10}
